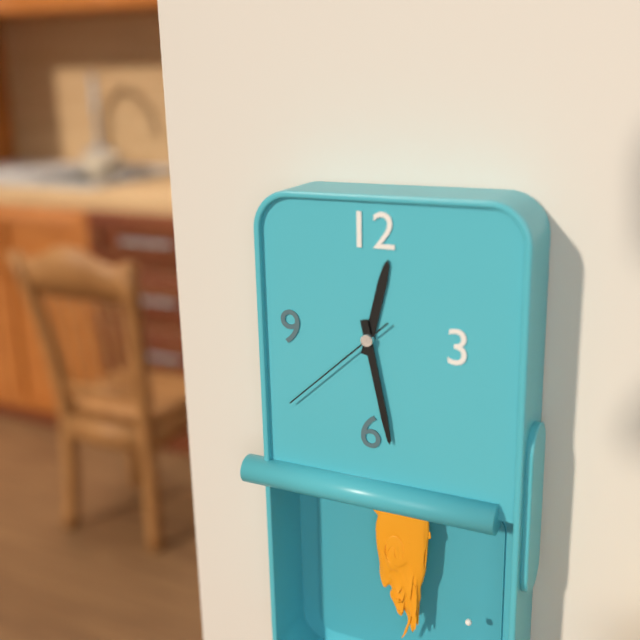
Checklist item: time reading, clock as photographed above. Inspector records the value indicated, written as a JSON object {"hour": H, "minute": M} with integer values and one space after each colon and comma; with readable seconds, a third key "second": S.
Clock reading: {"hour": 12, "minute": 28, "second": 38}
